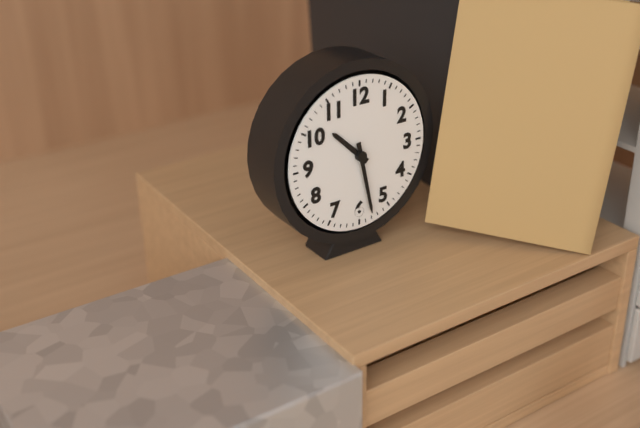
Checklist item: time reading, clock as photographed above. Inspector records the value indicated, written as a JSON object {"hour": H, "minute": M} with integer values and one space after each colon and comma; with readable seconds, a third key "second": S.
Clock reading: {"hour": 10, "minute": 28}
